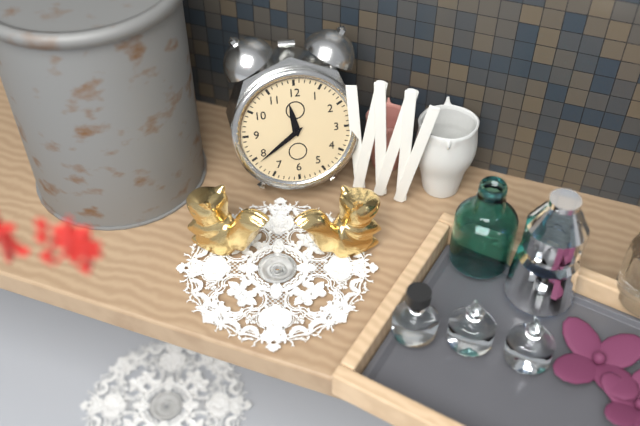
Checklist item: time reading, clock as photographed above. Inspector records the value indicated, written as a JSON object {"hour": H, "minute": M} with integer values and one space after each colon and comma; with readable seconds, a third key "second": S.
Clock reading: {"hour": 11, "minute": 39}
